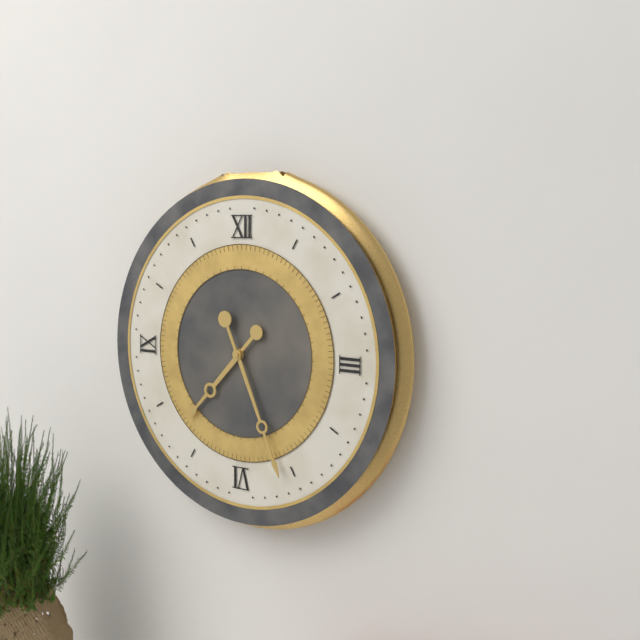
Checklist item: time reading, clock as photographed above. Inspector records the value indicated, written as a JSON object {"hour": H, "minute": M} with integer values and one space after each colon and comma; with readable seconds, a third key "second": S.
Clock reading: {"hour": 7, "minute": 26}
